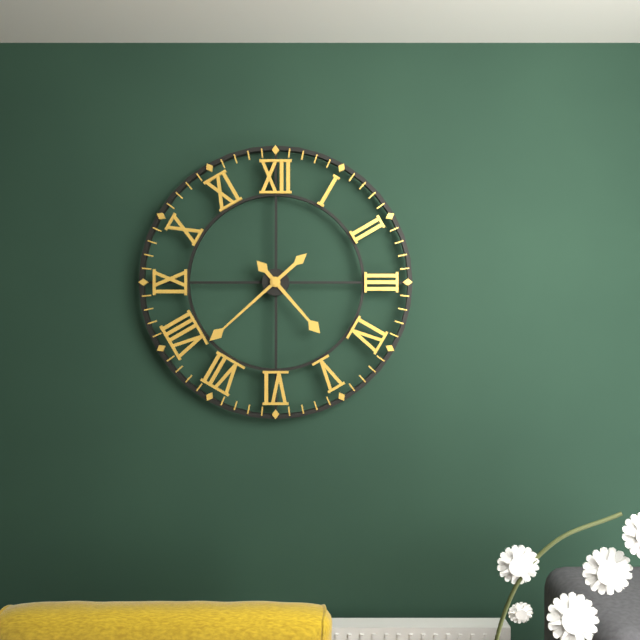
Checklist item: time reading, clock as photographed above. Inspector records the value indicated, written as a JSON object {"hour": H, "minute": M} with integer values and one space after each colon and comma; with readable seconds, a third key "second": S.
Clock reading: {"hour": 4, "minute": 38}
